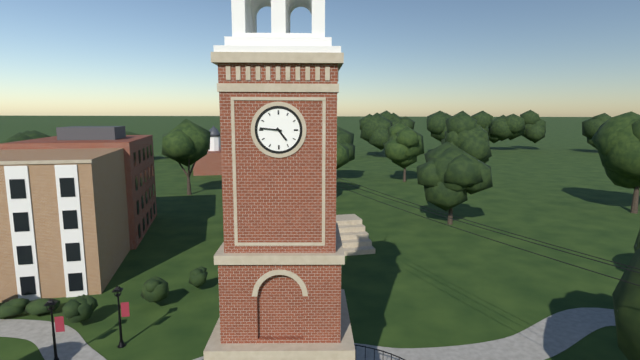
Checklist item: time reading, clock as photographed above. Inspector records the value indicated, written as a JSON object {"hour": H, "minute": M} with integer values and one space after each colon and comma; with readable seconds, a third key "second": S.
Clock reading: {"hour": 4, "minute": 46}
